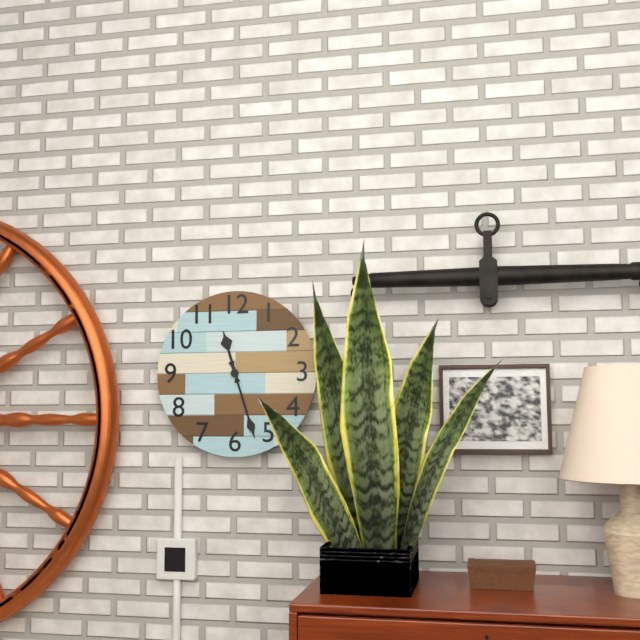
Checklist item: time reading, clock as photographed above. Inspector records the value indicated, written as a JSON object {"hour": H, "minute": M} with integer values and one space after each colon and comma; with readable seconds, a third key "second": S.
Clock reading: {"hour": 11, "minute": 27}
